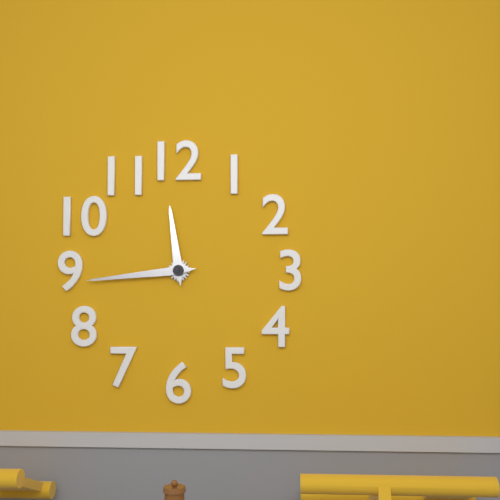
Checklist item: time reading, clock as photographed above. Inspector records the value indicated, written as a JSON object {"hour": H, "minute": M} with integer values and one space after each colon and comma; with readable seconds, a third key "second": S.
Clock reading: {"hour": 11, "minute": 44}
